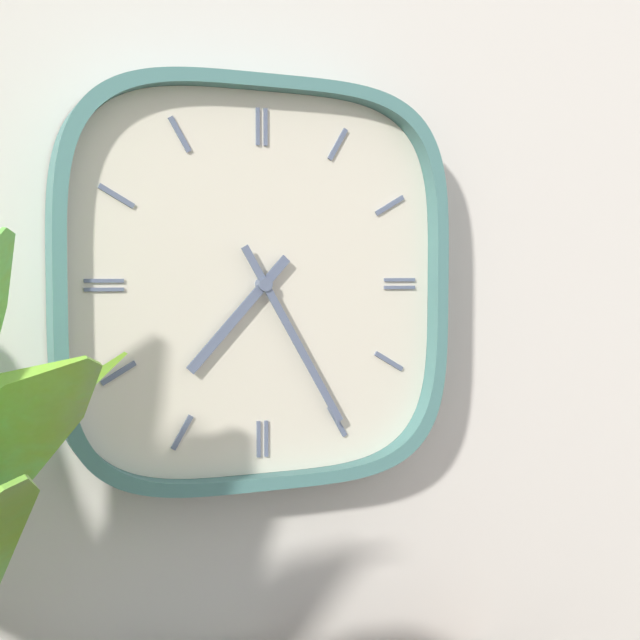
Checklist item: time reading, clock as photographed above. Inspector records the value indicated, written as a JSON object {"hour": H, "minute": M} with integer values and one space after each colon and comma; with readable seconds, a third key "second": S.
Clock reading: {"hour": 7, "minute": 25}
